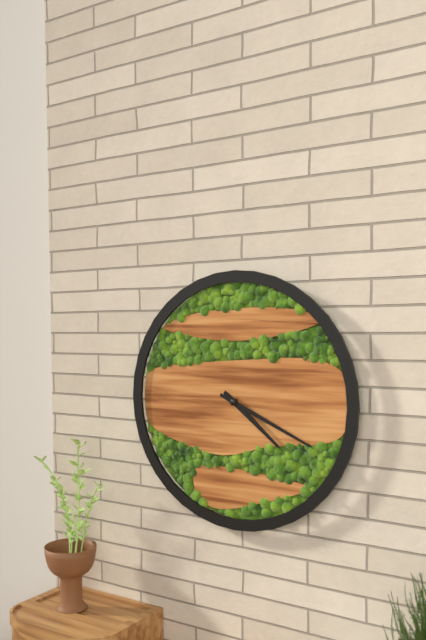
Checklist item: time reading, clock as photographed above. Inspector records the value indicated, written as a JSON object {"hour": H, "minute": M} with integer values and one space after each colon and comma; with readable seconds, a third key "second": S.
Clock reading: {"hour": 4, "minute": 19}
